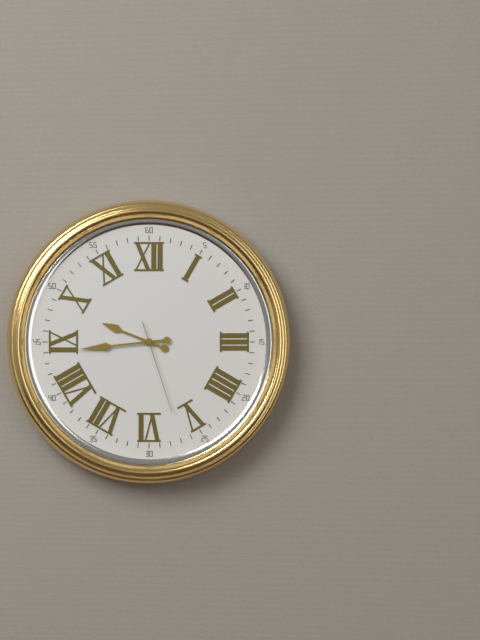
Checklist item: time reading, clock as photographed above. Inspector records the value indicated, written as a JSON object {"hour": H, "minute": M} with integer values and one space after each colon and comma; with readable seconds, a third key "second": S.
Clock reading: {"hour": 9, "minute": 44, "second": 27}
